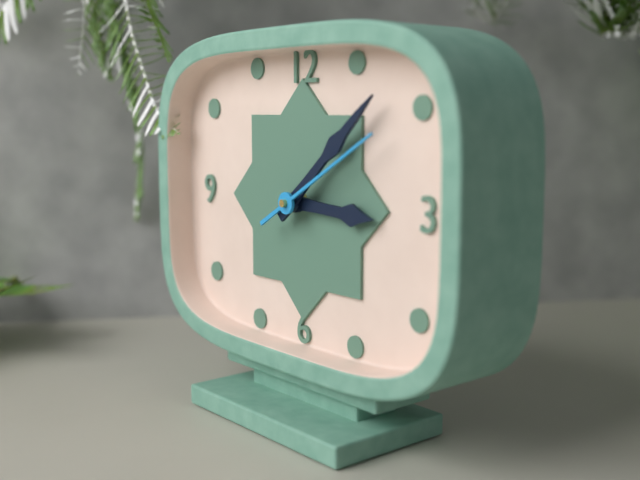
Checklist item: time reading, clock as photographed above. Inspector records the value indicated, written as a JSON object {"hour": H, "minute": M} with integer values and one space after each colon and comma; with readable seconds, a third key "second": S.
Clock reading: {"hour": 3, "minute": 8, "second": 10}
